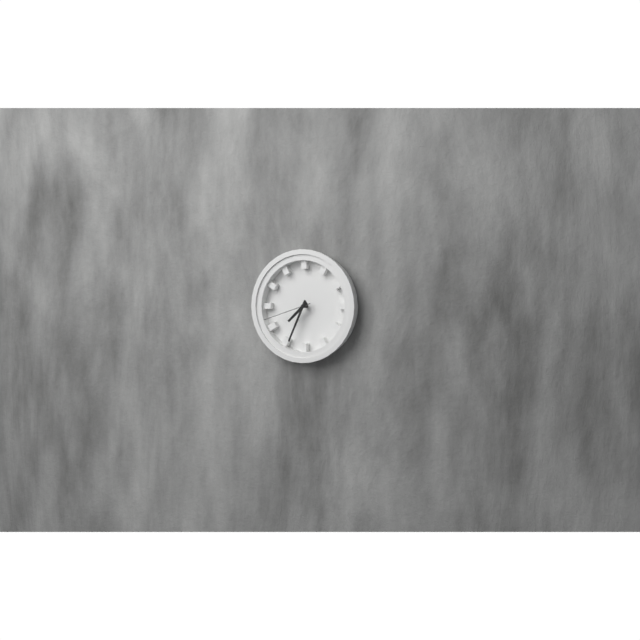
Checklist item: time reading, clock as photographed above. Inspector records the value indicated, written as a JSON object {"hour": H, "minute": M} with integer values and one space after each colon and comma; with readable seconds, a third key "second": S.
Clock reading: {"hour": 7, "minute": 34, "second": 42}
